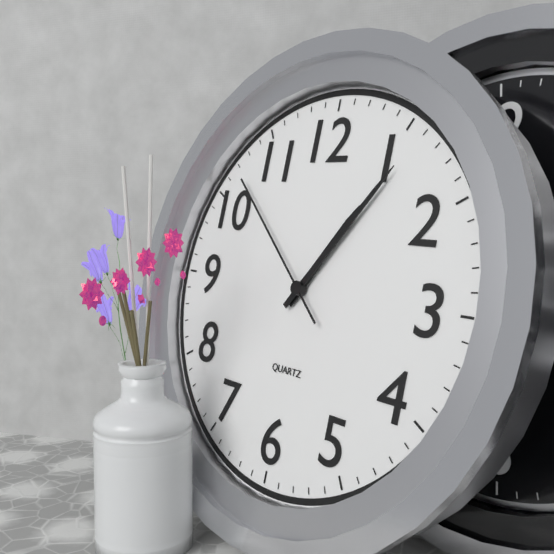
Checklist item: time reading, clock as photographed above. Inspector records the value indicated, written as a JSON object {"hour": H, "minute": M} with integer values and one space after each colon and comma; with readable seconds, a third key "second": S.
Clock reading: {"hour": 1, "minute": 6, "second": 52}
